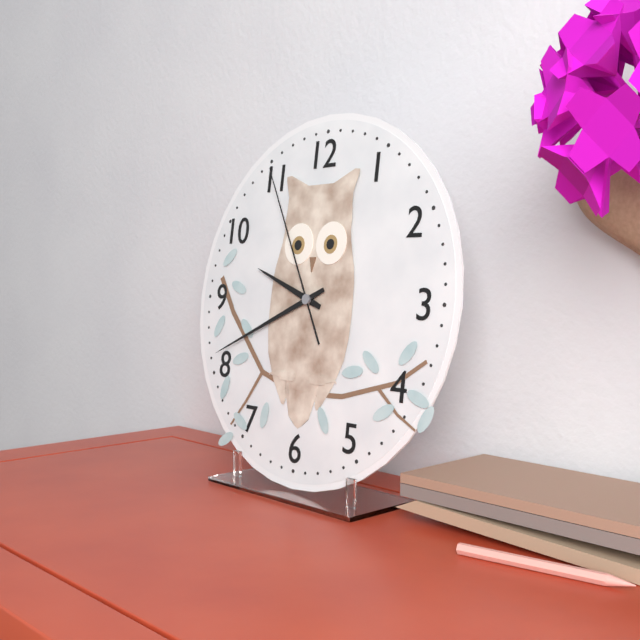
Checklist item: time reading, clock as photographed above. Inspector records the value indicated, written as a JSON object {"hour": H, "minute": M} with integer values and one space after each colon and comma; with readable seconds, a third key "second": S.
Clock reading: {"hour": 9, "minute": 41, "second": 55}
